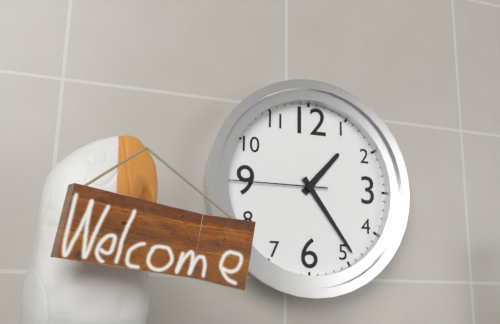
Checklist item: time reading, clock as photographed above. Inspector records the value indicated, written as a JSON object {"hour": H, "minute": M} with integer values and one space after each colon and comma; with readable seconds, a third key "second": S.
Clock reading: {"hour": 1, "minute": 24, "second": 45}
